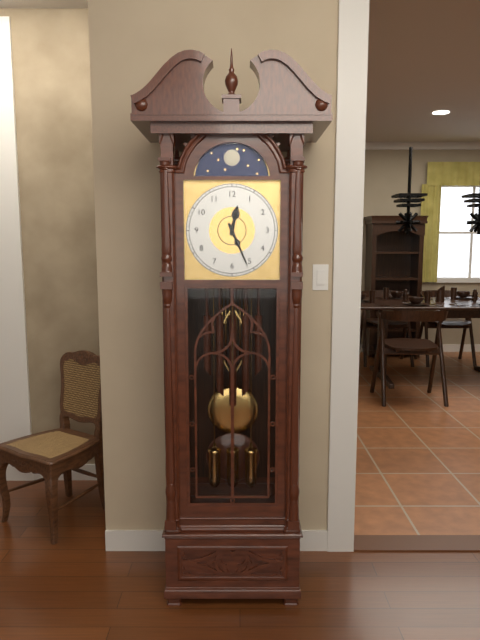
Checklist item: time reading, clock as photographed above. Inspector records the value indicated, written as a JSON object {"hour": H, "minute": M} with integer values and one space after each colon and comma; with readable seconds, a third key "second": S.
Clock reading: {"hour": 12, "minute": 26}
